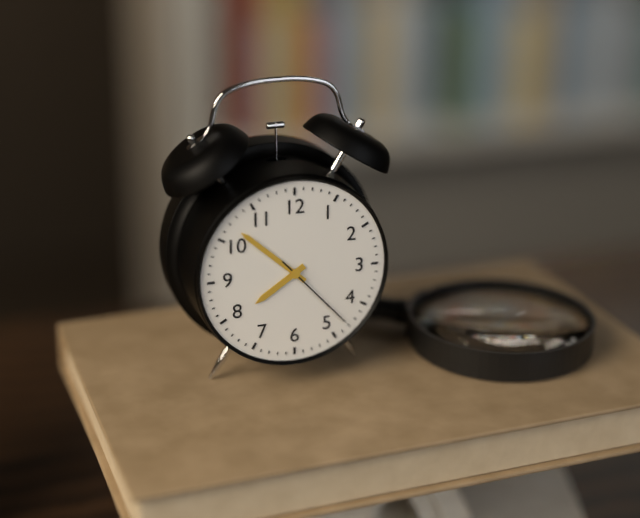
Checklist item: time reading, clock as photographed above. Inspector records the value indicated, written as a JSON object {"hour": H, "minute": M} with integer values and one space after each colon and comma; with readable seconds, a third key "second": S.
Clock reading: {"hour": 7, "minute": 52, "second": 23}
